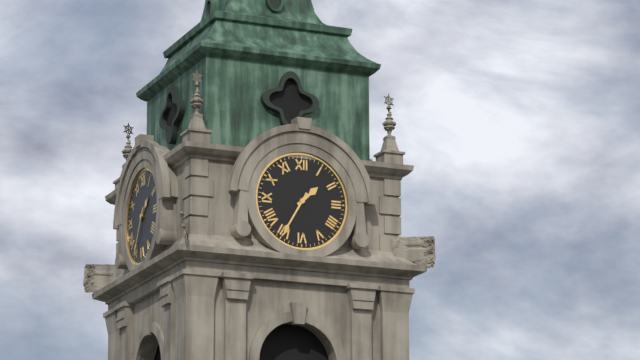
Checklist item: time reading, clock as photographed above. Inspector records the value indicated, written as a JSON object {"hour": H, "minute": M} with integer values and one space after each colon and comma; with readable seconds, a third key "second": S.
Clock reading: {"hour": 1, "minute": 35}
